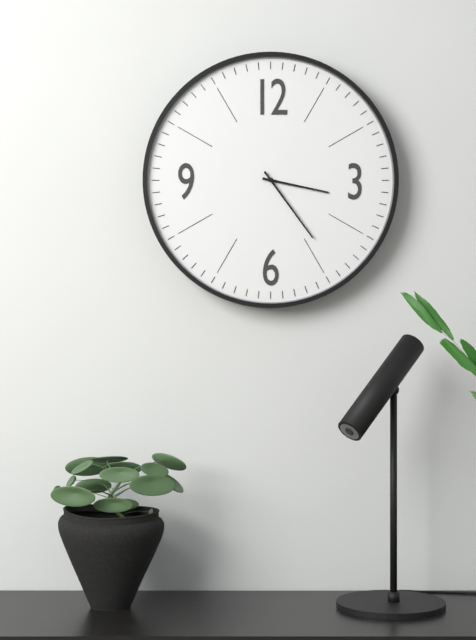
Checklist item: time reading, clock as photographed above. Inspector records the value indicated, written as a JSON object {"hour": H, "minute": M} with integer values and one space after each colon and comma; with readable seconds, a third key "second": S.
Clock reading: {"hour": 3, "minute": 24}
